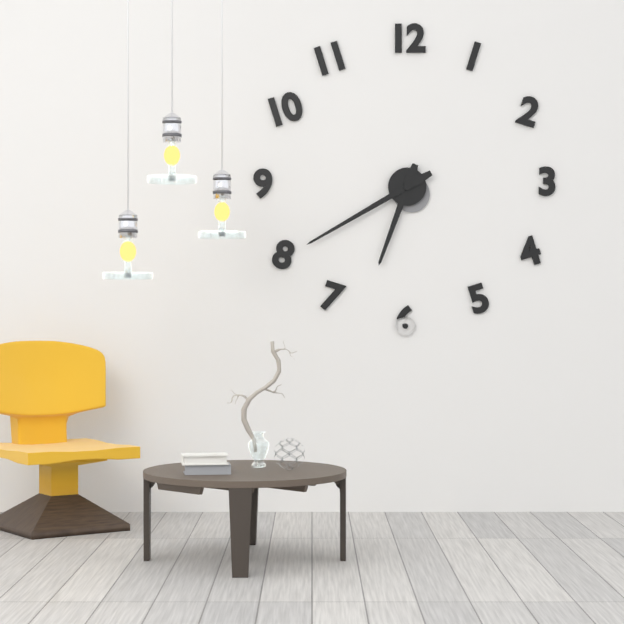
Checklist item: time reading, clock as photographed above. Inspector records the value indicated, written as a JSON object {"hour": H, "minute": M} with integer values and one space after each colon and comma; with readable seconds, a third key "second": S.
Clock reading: {"hour": 6, "minute": 40}
